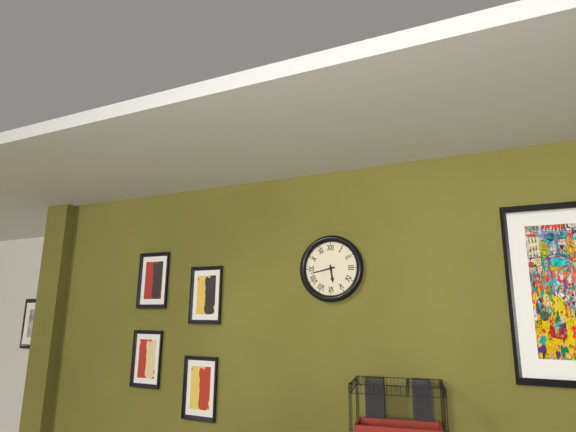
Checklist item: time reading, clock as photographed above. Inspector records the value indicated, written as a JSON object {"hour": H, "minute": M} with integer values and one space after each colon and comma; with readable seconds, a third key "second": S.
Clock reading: {"hour": 5, "minute": 43}
